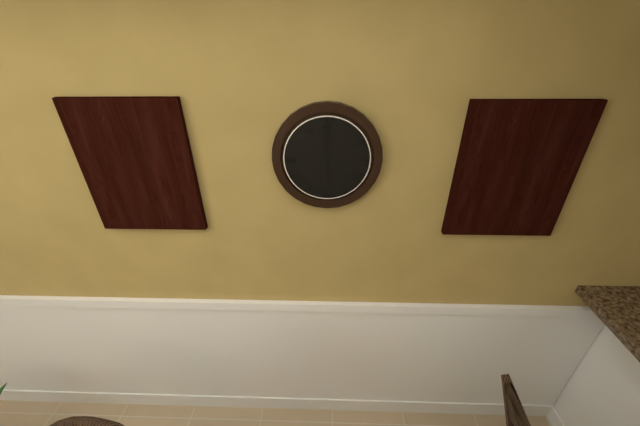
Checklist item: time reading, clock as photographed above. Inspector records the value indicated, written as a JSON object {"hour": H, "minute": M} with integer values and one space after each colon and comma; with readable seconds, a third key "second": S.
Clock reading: {"hour": 6, "minute": 0}
